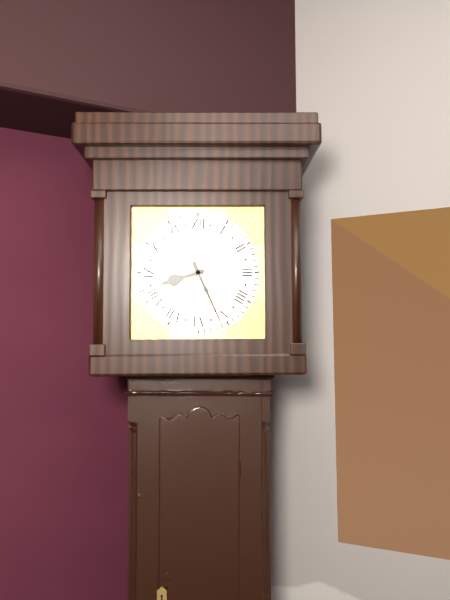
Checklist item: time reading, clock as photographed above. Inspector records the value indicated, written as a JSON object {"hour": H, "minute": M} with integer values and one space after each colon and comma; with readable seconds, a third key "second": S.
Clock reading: {"hour": 8, "minute": 26}
